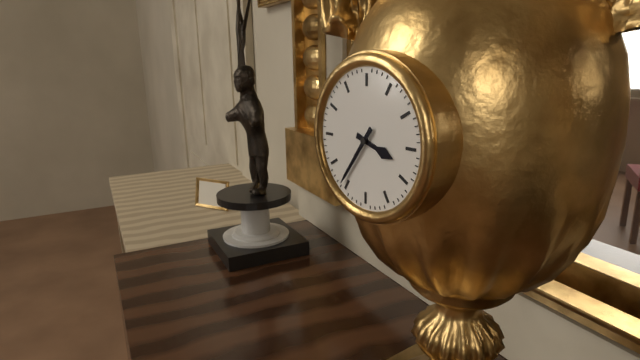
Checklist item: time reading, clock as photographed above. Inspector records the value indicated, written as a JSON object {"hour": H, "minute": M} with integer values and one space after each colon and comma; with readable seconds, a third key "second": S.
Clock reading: {"hour": 3, "minute": 36}
